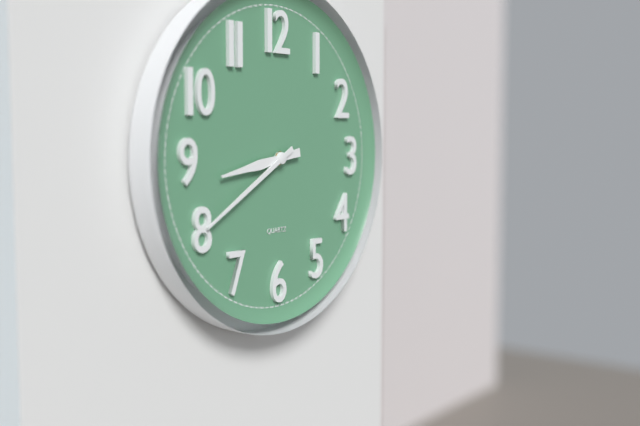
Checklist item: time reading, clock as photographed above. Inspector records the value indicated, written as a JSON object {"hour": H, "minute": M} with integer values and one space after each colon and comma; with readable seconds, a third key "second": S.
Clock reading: {"hour": 8, "minute": 40}
